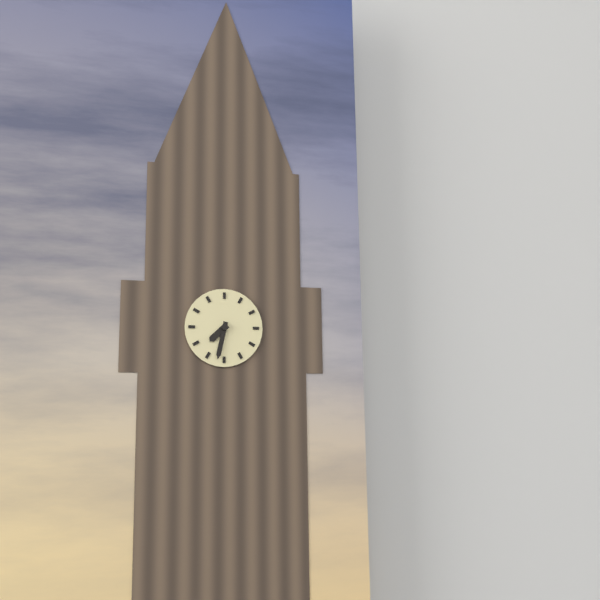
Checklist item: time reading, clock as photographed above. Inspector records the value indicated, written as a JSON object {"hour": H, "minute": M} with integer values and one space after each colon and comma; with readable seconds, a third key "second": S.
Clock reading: {"hour": 7, "minute": 32}
